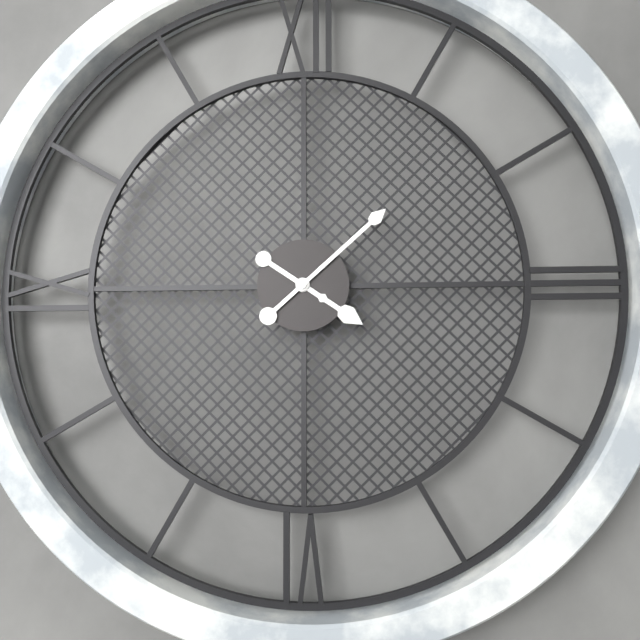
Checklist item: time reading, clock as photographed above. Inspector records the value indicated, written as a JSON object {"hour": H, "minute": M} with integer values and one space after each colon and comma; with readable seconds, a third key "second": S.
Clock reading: {"hour": 4, "minute": 8}
